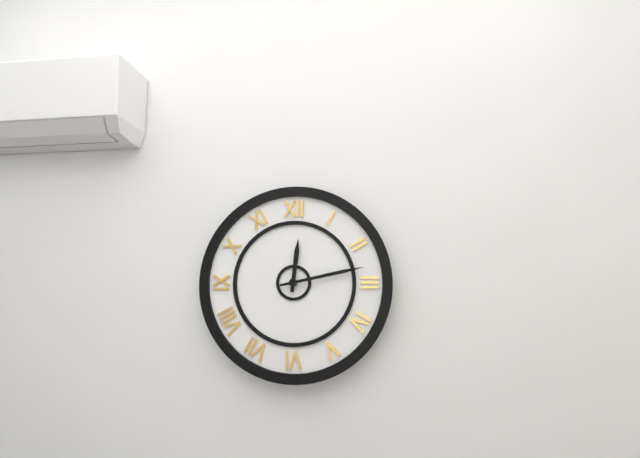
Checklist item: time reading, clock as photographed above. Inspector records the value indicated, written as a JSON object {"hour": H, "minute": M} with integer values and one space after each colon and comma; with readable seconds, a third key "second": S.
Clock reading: {"hour": 12, "minute": 13}
